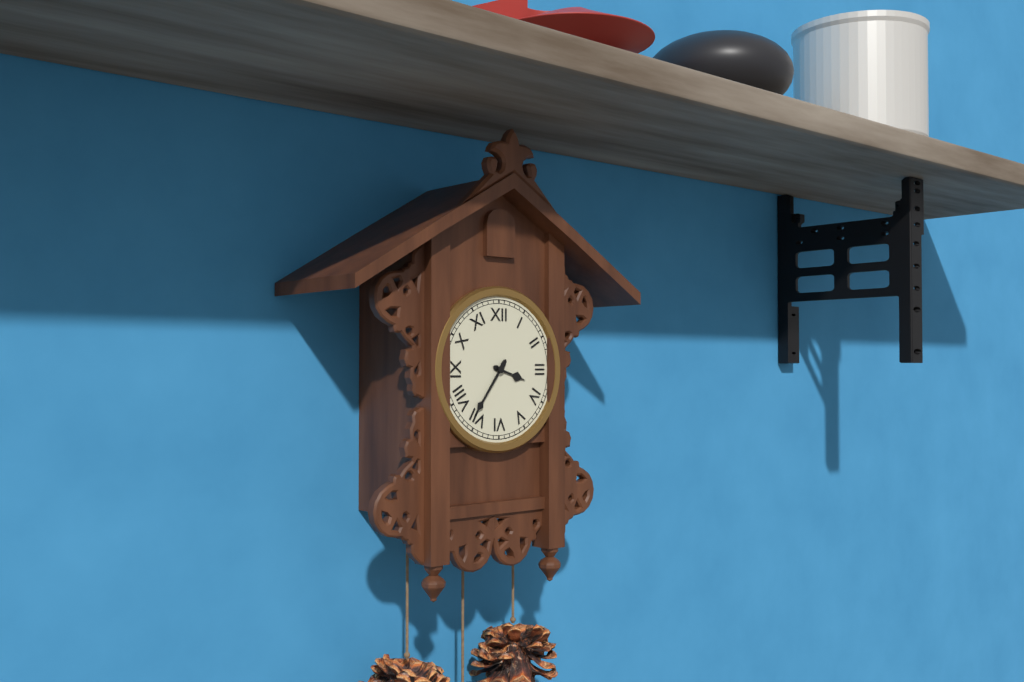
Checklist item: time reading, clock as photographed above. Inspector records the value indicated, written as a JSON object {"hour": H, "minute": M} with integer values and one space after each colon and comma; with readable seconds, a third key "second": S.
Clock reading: {"hour": 3, "minute": 36}
